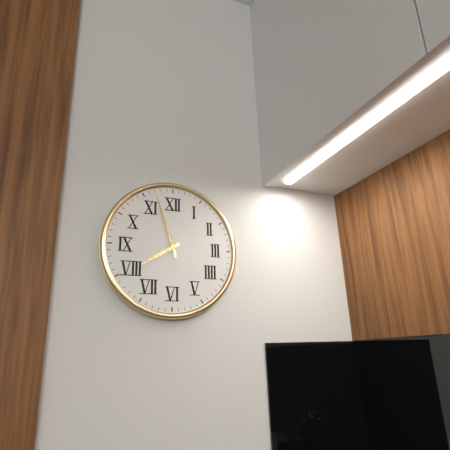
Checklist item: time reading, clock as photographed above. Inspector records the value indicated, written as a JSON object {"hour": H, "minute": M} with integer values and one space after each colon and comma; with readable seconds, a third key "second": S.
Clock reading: {"hour": 7, "minute": 57}
